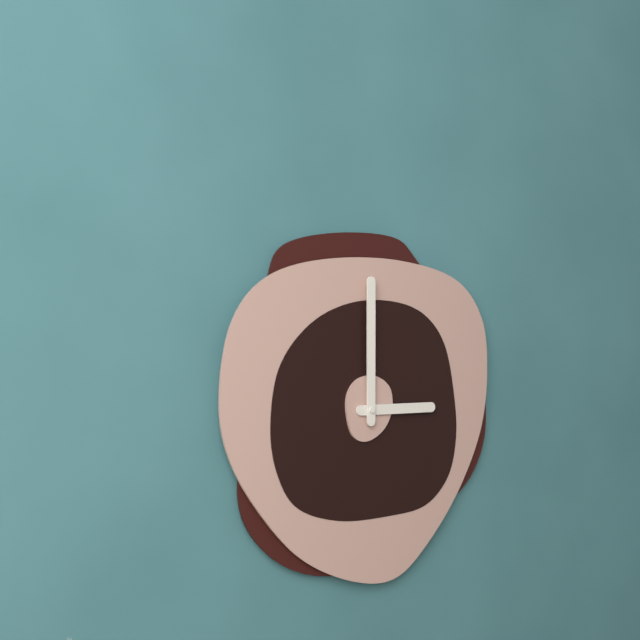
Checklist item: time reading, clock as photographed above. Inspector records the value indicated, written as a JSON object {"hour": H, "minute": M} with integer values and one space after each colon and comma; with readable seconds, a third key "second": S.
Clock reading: {"hour": 3, "minute": 0}
